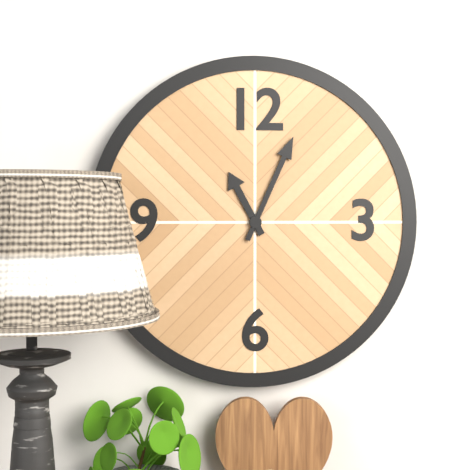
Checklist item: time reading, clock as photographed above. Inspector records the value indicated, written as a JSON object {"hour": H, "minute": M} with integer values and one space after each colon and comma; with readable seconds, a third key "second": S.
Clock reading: {"hour": 11, "minute": 4}
